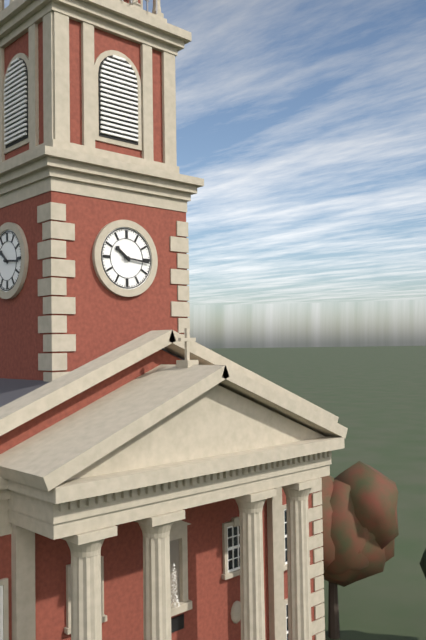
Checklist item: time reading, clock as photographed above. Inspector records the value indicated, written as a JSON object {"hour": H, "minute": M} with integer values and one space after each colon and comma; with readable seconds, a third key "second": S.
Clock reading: {"hour": 10, "minute": 16}
